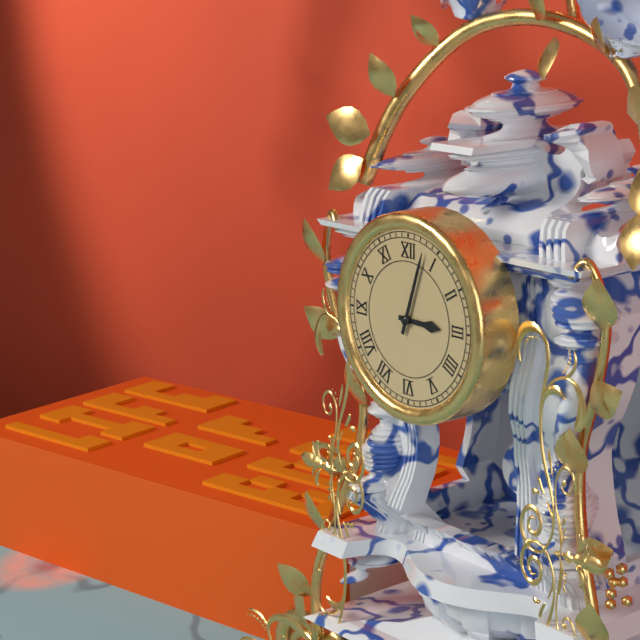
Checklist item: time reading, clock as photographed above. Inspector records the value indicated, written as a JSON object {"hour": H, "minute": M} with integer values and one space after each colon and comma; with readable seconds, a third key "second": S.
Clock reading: {"hour": 3, "minute": 3}
